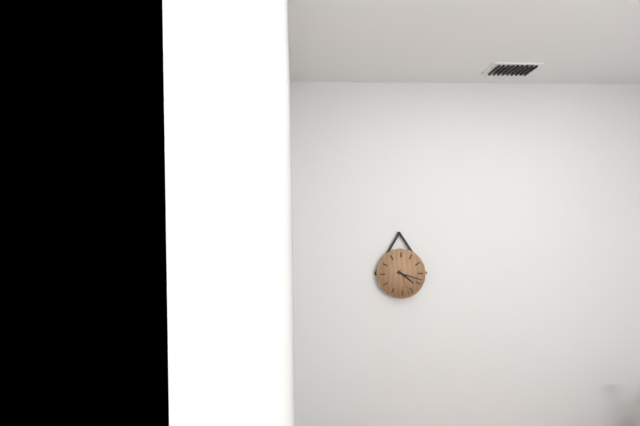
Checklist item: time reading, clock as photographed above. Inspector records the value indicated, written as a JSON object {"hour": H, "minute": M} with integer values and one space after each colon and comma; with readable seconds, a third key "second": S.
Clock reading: {"hour": 4, "minute": 18}
